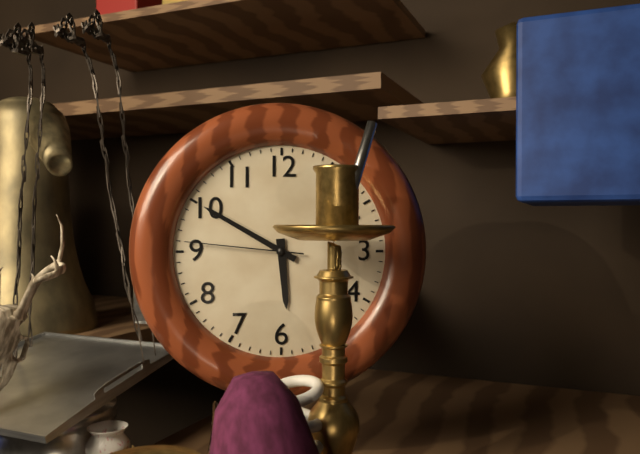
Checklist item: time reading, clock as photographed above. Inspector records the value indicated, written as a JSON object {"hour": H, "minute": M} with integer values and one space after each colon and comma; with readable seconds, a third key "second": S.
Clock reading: {"hour": 5, "minute": 50, "second": 46}
